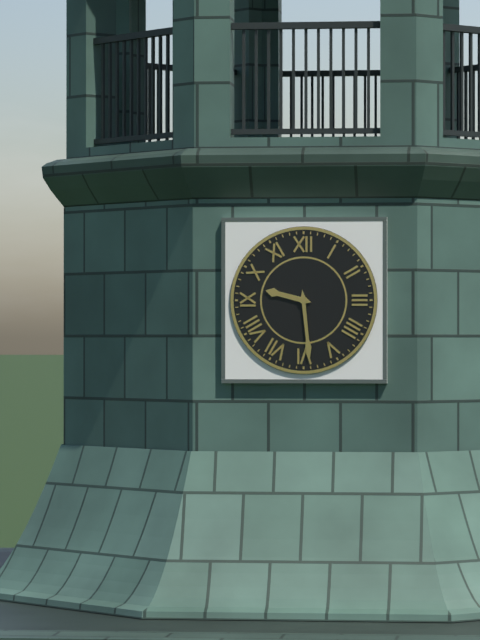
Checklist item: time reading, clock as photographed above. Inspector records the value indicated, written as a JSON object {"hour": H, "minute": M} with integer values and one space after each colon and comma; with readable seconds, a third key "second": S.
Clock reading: {"hour": 9, "minute": 29}
